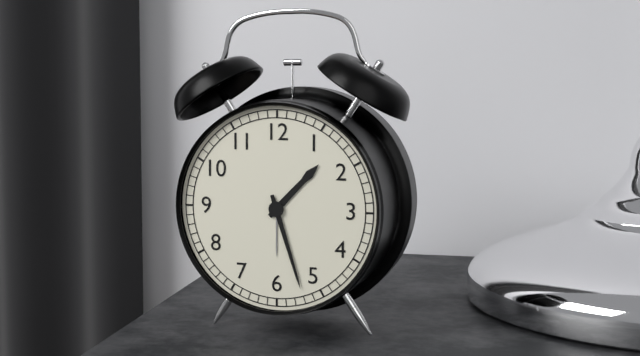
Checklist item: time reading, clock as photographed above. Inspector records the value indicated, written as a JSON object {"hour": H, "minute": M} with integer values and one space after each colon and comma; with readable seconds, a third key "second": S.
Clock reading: {"hour": 1, "minute": 27}
